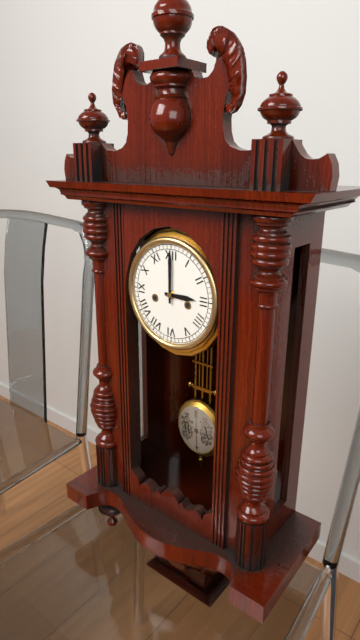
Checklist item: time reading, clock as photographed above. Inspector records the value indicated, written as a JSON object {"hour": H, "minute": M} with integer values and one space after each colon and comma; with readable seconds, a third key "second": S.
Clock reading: {"hour": 3, "minute": 0}
